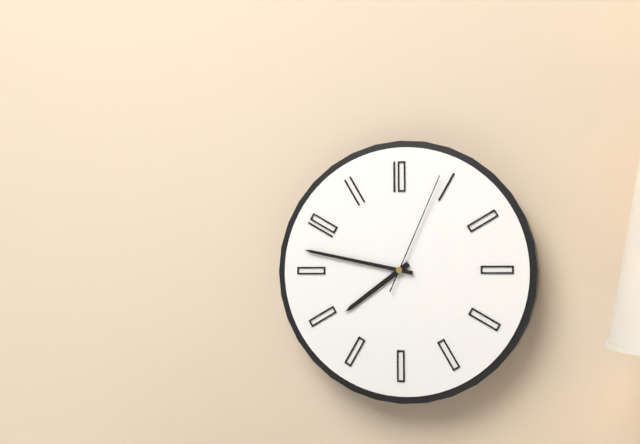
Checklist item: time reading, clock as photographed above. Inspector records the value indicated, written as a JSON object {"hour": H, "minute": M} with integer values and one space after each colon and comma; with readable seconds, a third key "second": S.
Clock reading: {"hour": 7, "minute": 47, "second": 4}
